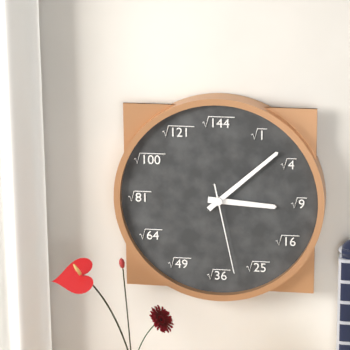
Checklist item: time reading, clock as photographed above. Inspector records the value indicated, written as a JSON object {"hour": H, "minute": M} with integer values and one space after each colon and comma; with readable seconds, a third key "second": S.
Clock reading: {"hour": 3, "minute": 8, "second": 28}
